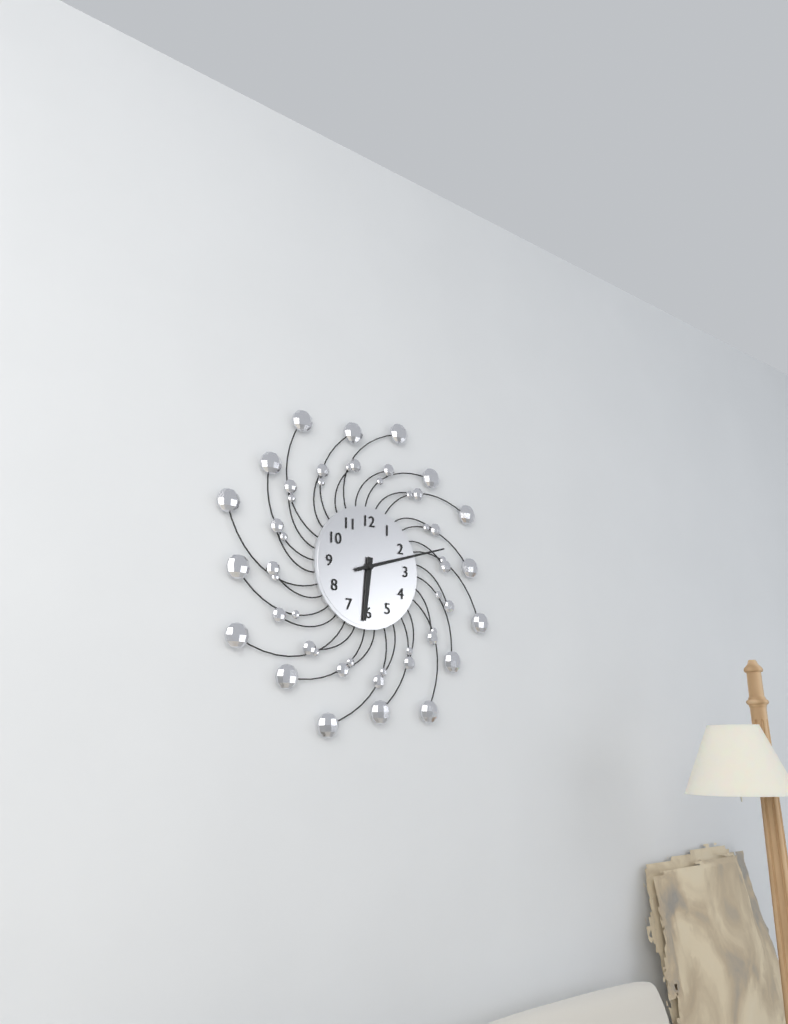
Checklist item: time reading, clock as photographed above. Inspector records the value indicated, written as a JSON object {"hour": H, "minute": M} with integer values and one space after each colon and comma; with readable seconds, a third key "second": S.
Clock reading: {"hour": 6, "minute": 12}
